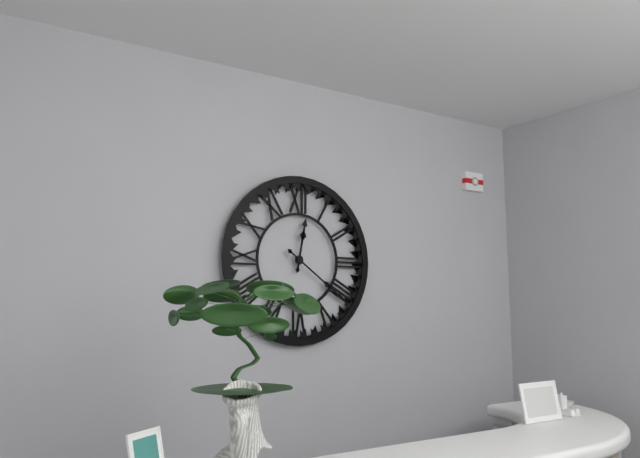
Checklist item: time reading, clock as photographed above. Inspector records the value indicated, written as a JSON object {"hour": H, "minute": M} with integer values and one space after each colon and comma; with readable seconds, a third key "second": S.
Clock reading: {"hour": 12, "minute": 21}
